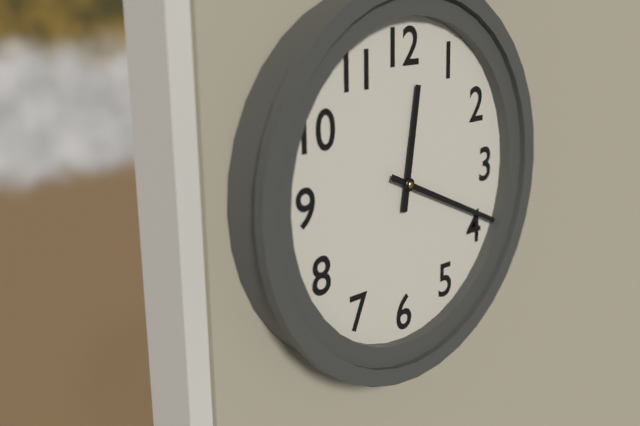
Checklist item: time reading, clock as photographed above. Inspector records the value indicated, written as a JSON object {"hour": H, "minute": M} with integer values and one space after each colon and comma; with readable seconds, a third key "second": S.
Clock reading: {"hour": 12, "minute": 19}
